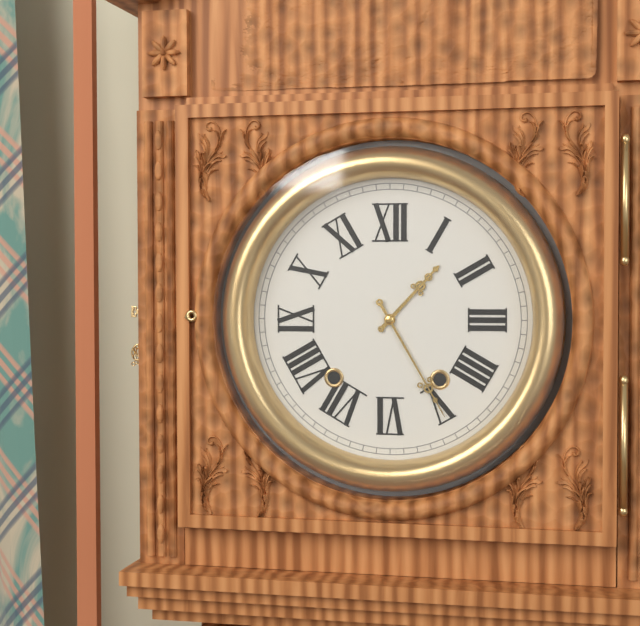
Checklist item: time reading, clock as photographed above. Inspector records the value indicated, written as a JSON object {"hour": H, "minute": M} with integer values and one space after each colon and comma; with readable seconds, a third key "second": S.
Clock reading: {"hour": 1, "minute": 25}
